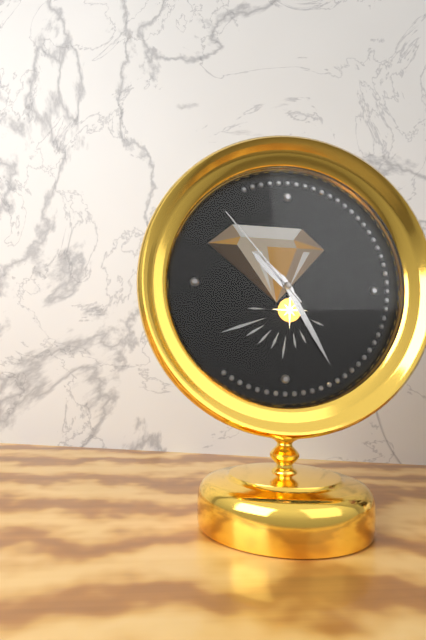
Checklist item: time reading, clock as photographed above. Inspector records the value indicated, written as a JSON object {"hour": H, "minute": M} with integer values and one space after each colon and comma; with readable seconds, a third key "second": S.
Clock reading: {"hour": 10, "minute": 25, "second": 53}
